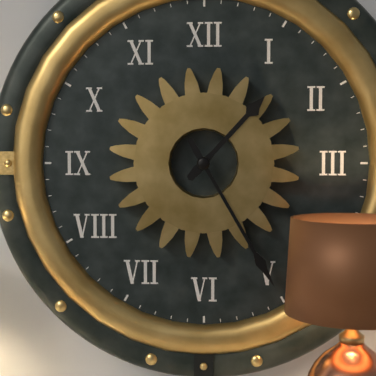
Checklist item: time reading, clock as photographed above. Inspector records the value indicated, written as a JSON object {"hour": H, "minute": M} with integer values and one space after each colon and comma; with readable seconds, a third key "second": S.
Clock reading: {"hour": 1, "minute": 25}
